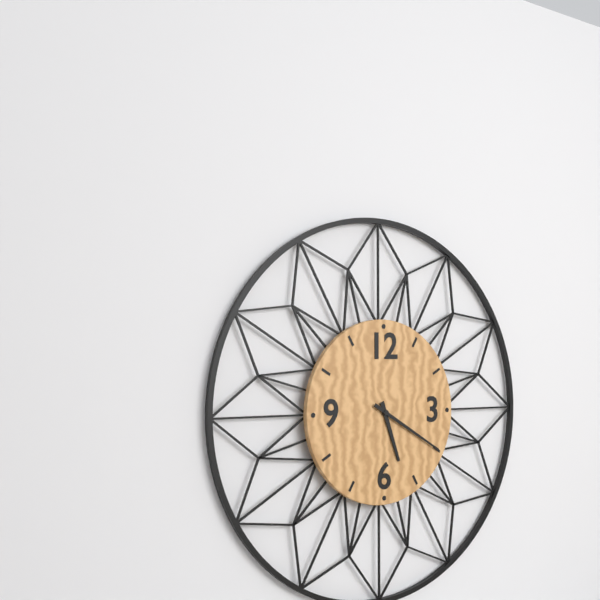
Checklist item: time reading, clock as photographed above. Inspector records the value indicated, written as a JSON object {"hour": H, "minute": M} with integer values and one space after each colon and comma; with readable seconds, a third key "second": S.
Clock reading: {"hour": 5, "minute": 20}
